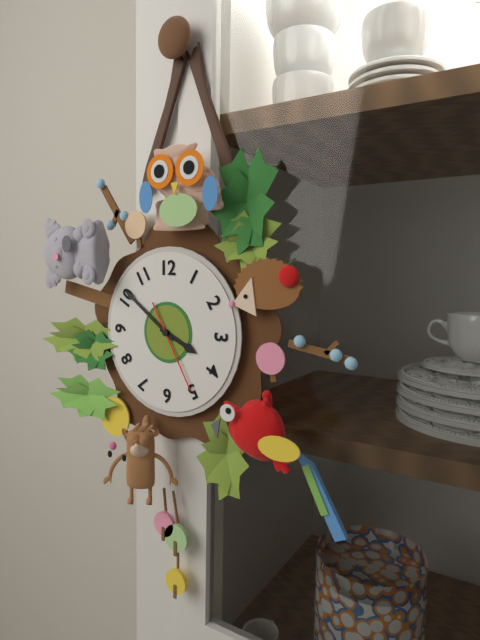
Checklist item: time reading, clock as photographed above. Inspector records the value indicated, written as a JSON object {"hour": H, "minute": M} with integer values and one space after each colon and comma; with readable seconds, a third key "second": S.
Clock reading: {"hour": 3, "minute": 51, "second": 25}
